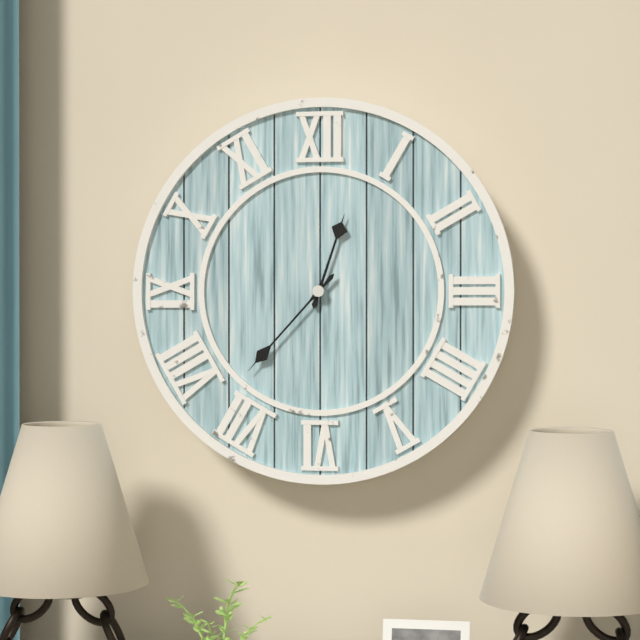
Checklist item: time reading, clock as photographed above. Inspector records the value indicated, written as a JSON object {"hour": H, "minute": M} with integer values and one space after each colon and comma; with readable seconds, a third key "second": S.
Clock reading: {"hour": 12, "minute": 37}
